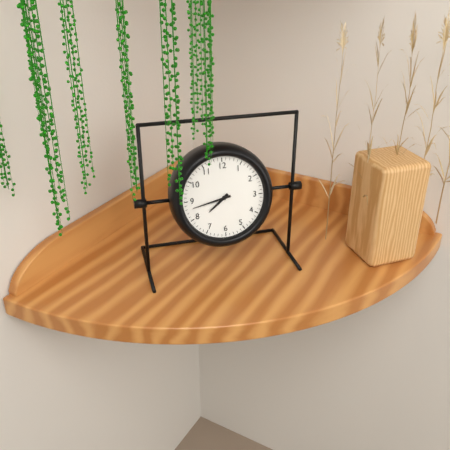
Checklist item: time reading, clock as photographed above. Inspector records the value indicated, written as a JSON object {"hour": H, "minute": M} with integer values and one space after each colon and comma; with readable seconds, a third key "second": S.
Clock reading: {"hour": 7, "minute": 43}
